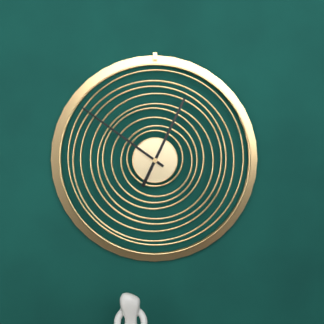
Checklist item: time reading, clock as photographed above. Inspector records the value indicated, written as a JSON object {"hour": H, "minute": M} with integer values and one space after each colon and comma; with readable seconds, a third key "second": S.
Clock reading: {"hour": 12, "minute": 51}
